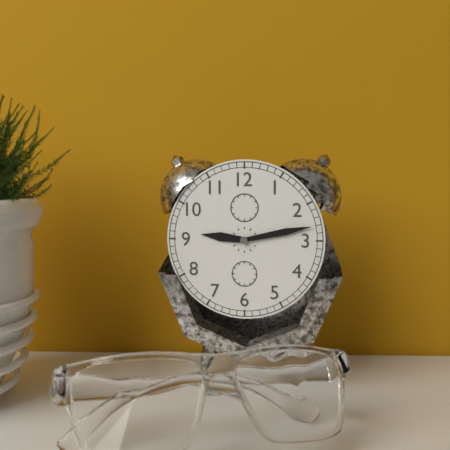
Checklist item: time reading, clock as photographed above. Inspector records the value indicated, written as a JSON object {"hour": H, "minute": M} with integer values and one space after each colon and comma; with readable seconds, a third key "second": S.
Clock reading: {"hour": 9, "minute": 13}
